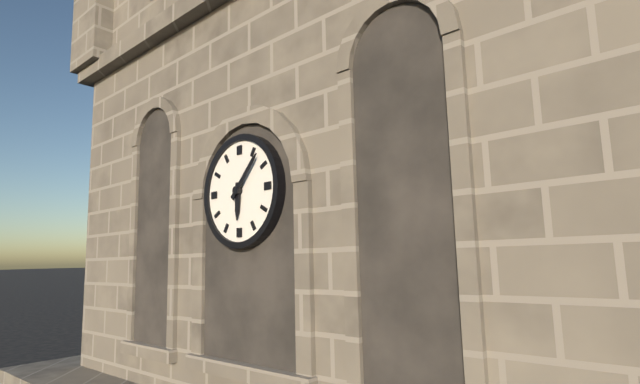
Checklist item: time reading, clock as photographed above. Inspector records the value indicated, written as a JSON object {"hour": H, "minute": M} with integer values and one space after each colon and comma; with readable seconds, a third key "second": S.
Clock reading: {"hour": 6, "minute": 7}
